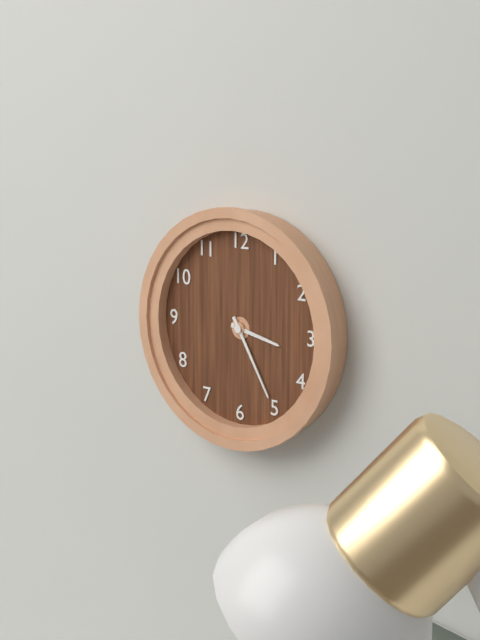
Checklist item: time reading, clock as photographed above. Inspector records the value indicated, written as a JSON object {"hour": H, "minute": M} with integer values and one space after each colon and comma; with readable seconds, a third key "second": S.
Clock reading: {"hour": 3, "minute": 25}
